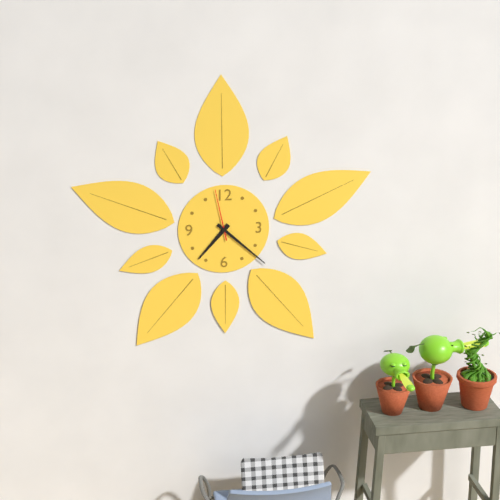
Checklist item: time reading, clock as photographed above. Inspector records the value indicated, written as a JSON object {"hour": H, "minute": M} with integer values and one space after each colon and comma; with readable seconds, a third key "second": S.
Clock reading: {"hour": 7, "minute": 22, "second": 58}
